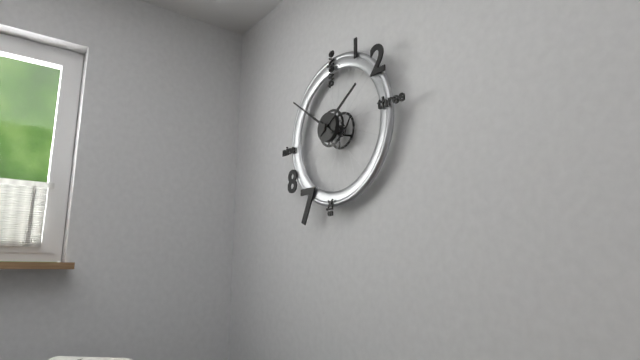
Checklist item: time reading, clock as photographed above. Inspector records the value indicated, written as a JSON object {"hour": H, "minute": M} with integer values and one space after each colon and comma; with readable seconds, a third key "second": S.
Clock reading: {"hour": 1, "minute": 51}
